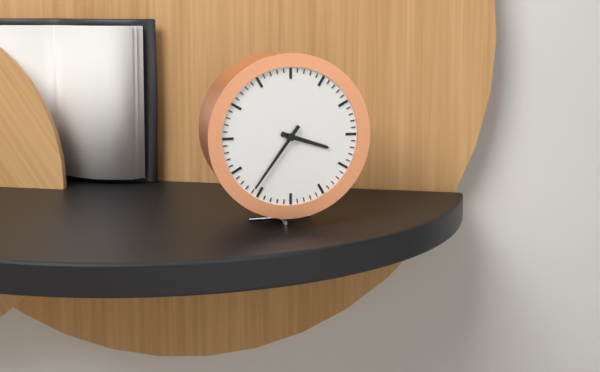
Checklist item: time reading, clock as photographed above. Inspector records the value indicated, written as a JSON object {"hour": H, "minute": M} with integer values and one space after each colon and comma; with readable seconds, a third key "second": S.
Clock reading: {"hour": 3, "minute": 36}
